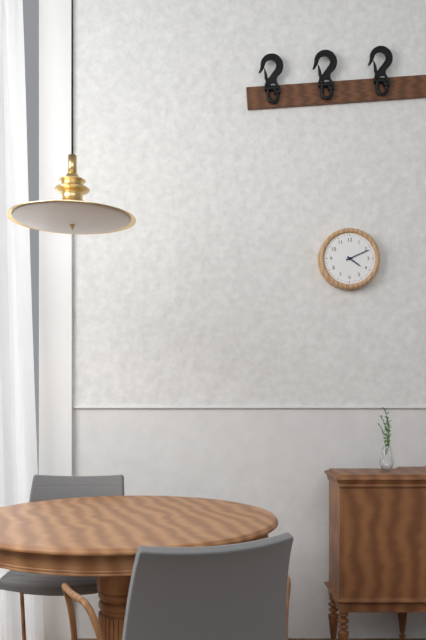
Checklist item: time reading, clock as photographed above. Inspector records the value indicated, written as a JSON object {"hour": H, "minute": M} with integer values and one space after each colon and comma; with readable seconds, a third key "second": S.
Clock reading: {"hour": 4, "minute": 11}
